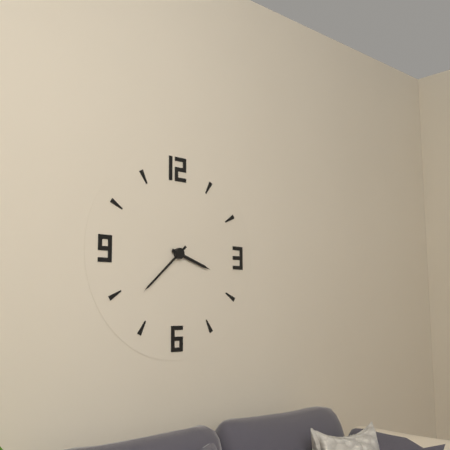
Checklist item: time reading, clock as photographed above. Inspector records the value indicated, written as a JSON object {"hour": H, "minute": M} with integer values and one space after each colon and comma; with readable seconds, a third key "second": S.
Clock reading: {"hour": 3, "minute": 38}
